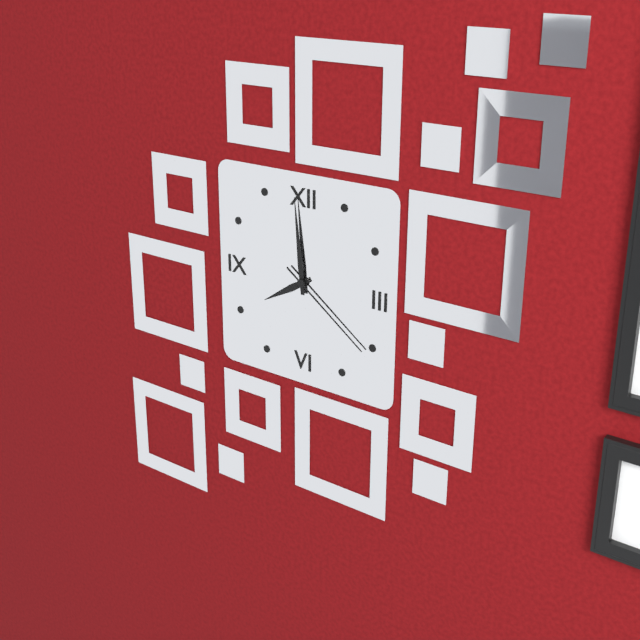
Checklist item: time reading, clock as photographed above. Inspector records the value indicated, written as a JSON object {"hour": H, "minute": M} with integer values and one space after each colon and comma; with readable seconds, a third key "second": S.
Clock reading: {"hour": 7, "minute": 59, "second": 21}
